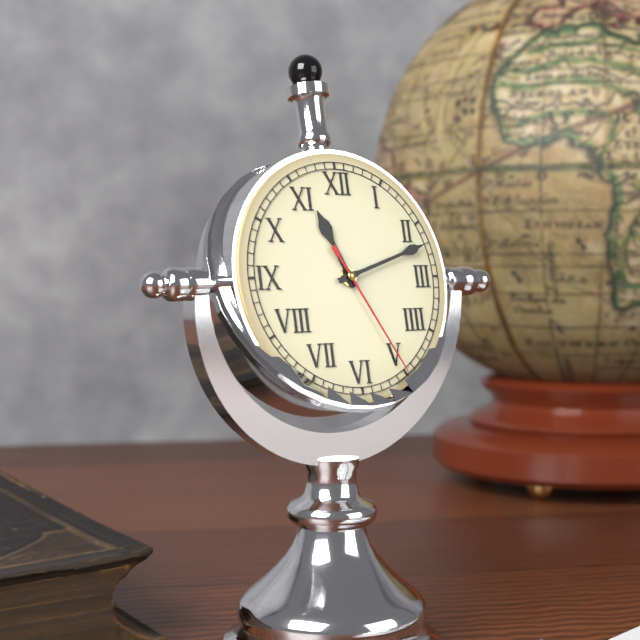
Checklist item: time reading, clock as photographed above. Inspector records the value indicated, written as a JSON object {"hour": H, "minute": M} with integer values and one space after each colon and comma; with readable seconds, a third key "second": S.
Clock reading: {"hour": 11, "minute": 12, "second": 25}
